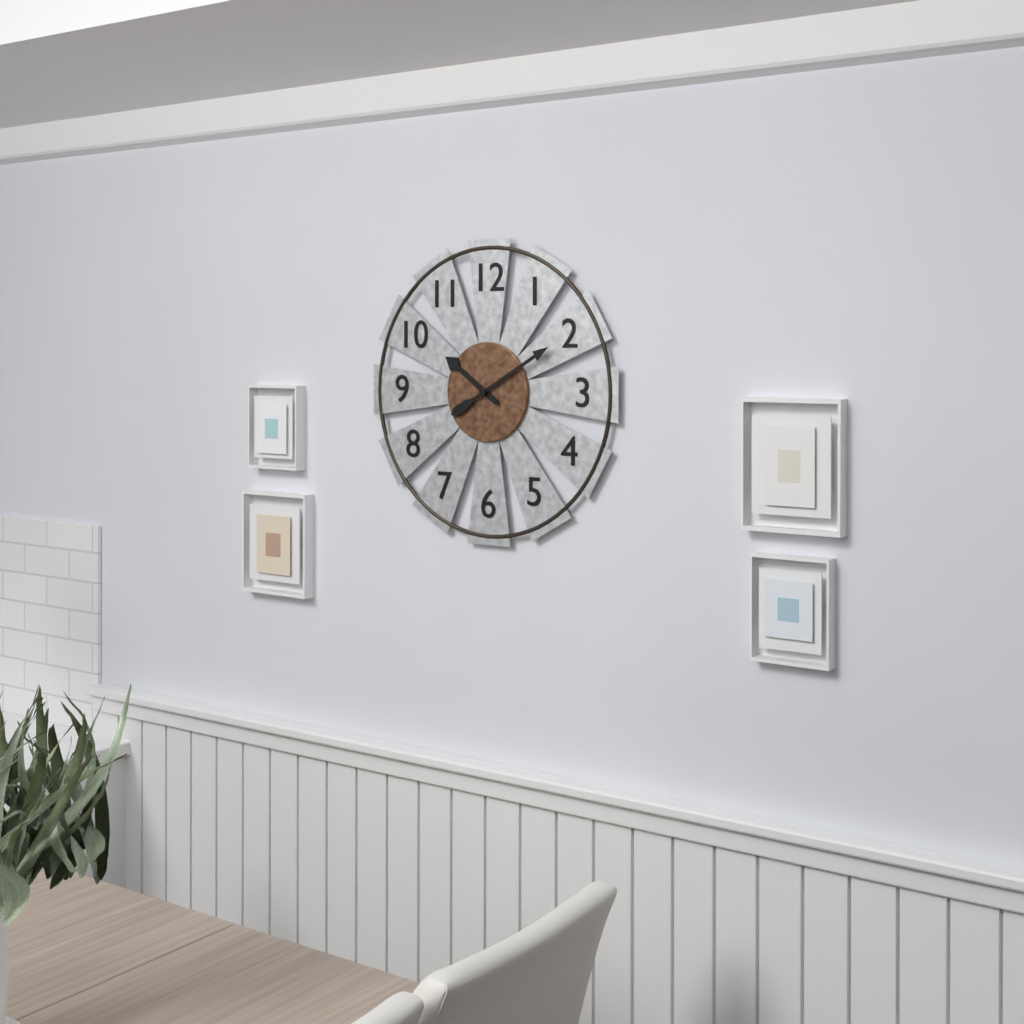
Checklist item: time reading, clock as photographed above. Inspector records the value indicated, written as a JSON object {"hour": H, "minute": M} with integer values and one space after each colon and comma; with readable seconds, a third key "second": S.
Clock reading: {"hour": 10, "minute": 10}
